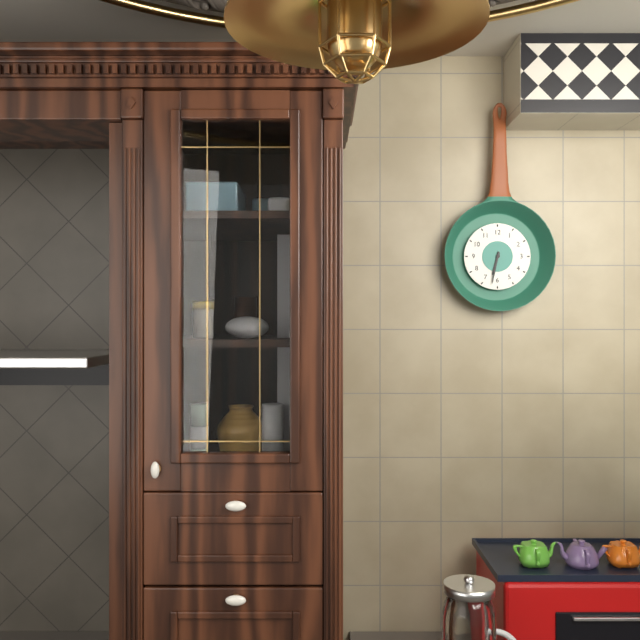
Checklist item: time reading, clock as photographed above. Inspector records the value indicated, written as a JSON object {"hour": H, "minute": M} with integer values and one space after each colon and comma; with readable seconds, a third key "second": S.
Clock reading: {"hour": 6, "minute": 32}
